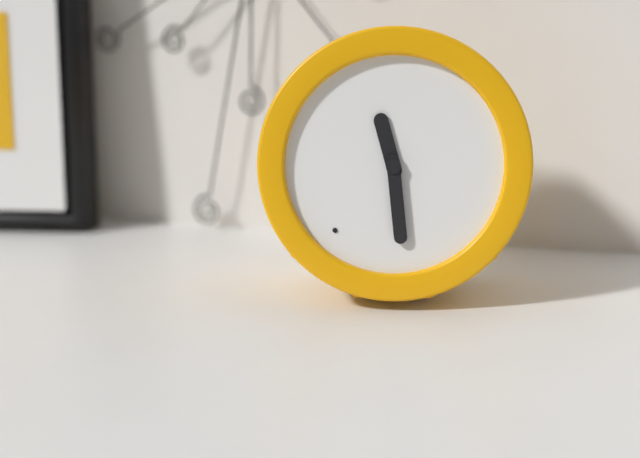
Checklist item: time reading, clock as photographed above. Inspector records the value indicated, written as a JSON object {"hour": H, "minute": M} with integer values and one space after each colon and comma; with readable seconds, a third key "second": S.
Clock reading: {"hour": 11, "minute": 29}
